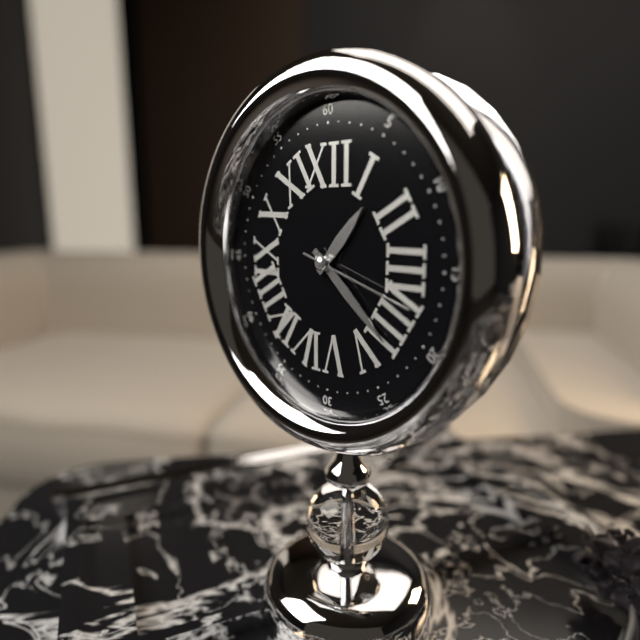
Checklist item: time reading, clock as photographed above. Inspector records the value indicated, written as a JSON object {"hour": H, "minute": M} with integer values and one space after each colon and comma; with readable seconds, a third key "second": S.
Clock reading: {"hour": 1, "minute": 22, "second": 18}
